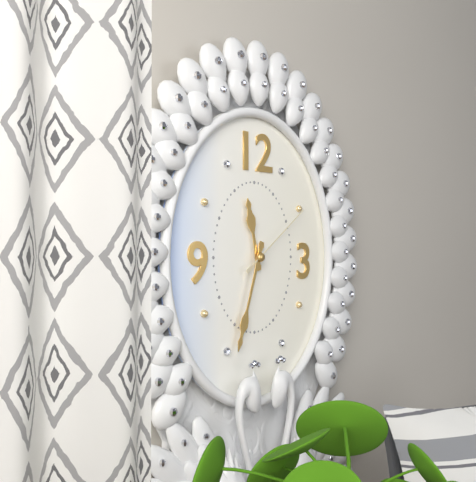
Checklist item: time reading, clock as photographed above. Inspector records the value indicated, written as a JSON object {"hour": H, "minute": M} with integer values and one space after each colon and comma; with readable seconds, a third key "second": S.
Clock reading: {"hour": 11, "minute": 33, "second": 9}
